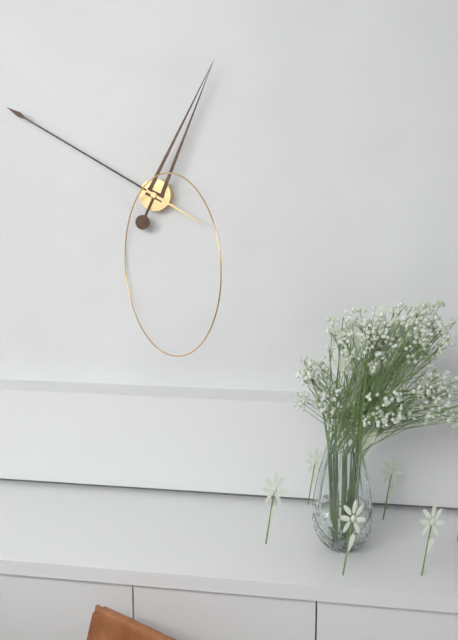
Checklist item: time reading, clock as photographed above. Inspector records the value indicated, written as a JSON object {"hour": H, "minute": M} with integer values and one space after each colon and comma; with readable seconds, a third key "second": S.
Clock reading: {"hour": 12, "minute": 50}
